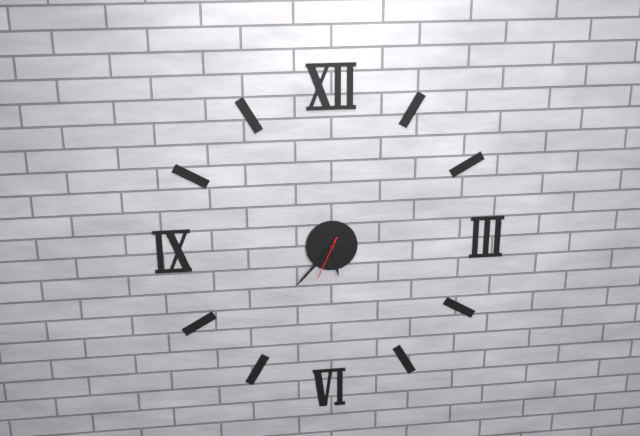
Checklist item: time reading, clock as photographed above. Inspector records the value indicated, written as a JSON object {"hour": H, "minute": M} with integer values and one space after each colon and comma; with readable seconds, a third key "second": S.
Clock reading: {"hour": 5, "minute": 37}
